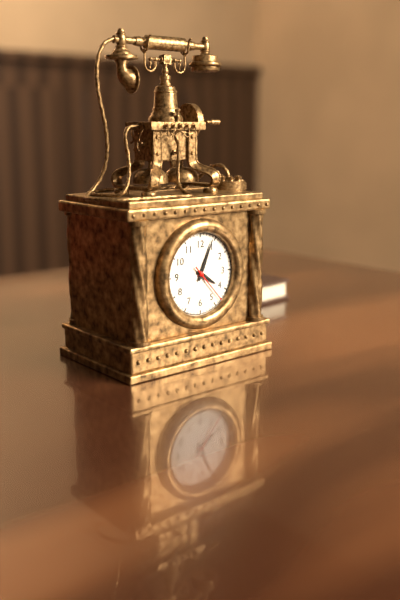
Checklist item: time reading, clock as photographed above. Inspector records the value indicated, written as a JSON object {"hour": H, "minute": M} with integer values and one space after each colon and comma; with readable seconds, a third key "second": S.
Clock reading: {"hour": 4, "minute": 4}
